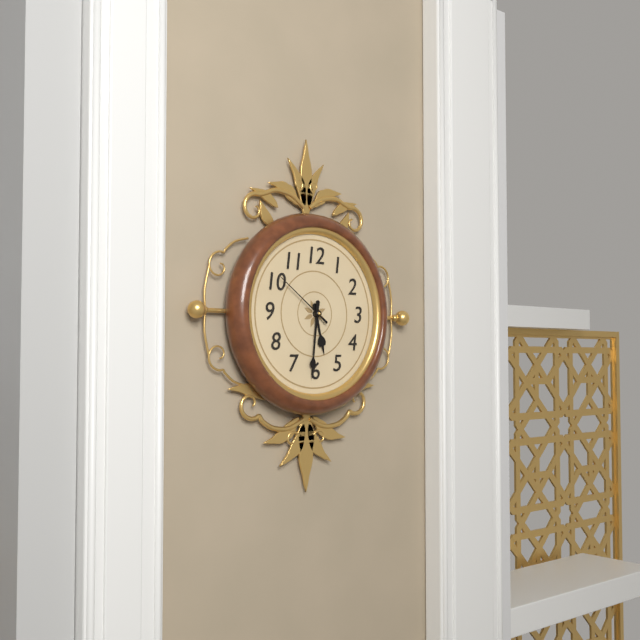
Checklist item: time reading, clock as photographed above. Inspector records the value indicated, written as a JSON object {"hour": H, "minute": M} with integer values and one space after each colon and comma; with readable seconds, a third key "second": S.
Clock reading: {"hour": 5, "minute": 31, "second": 51}
